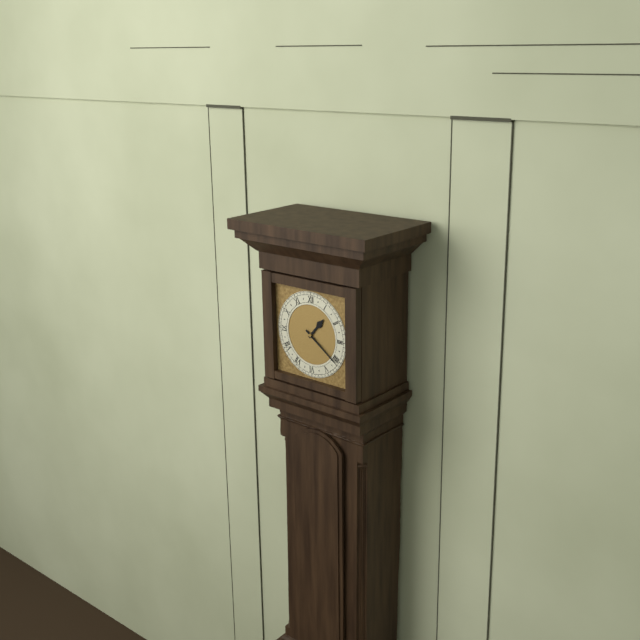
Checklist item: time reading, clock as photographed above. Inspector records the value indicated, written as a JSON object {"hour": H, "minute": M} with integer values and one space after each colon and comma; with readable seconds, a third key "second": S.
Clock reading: {"hour": 1, "minute": 21}
